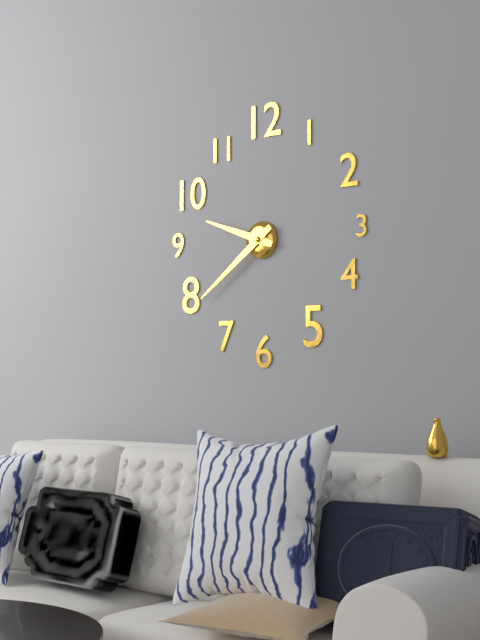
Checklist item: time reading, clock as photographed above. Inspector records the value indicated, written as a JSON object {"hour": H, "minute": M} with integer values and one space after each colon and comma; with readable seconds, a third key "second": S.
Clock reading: {"hour": 9, "minute": 39}
